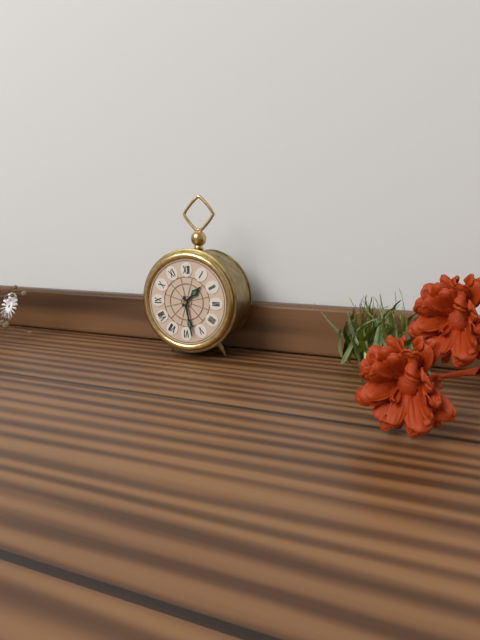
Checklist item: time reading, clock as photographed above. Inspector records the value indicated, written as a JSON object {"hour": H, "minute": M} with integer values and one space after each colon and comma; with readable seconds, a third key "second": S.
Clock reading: {"hour": 1, "minute": 28}
